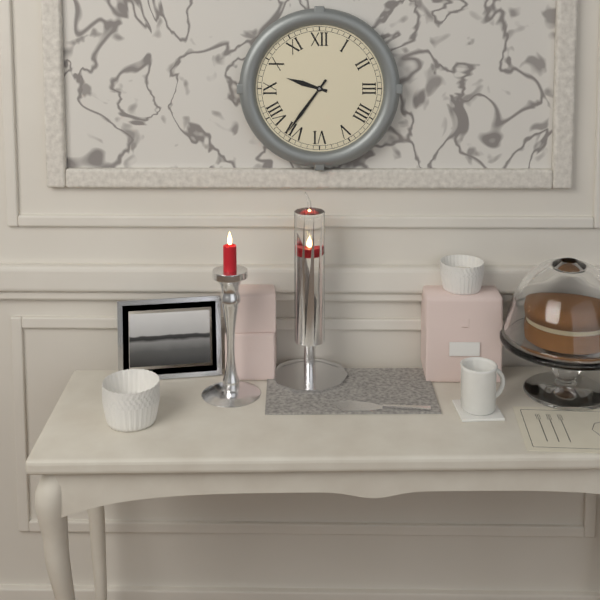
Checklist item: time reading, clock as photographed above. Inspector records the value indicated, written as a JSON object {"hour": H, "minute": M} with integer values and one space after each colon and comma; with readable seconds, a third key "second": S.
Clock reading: {"hour": 9, "minute": 36}
